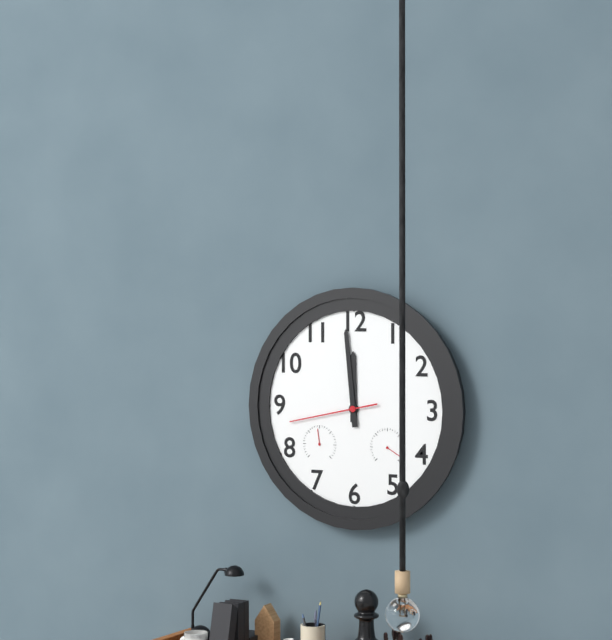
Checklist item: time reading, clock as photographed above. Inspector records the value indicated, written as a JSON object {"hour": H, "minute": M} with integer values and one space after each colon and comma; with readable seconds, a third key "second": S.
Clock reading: {"hour": 11, "minute": 59, "second": 43}
